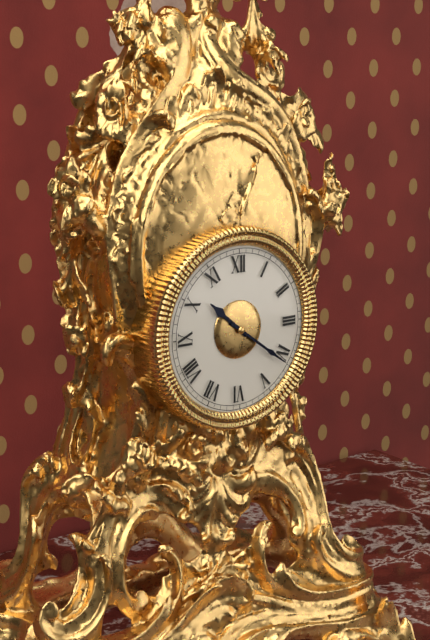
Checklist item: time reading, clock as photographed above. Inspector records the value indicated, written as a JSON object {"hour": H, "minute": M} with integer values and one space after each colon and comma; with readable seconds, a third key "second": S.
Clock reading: {"hour": 10, "minute": 21}
